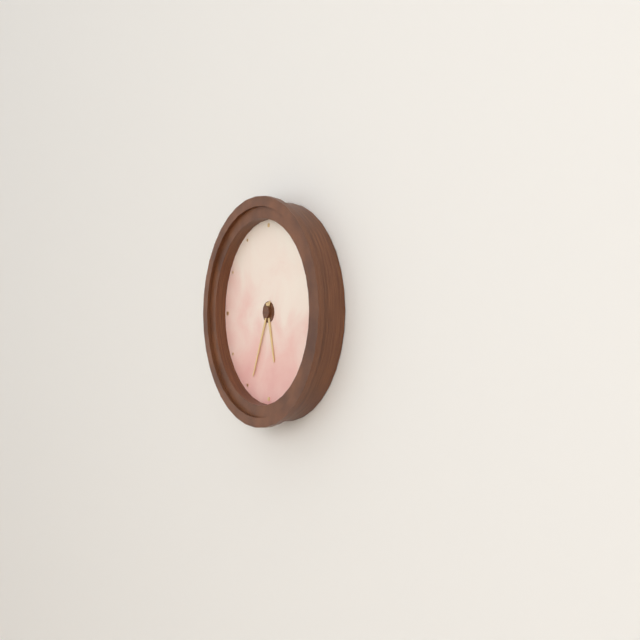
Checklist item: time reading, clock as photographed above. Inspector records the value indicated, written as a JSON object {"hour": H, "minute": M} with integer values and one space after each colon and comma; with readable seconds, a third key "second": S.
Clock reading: {"hour": 5, "minute": 34}
